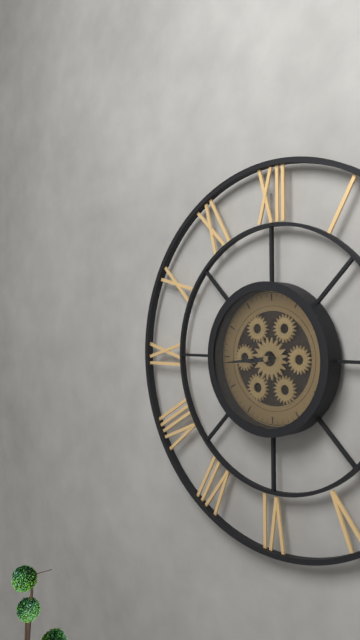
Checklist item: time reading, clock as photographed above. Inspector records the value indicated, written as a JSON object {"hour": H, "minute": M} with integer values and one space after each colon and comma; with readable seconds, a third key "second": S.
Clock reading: {"hour": 8, "minute": 44}
